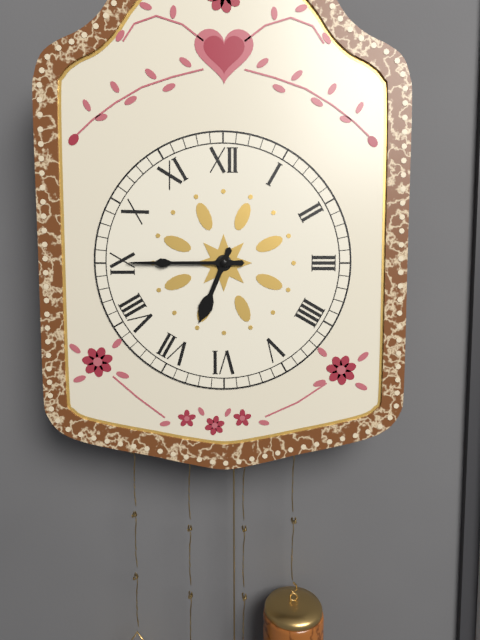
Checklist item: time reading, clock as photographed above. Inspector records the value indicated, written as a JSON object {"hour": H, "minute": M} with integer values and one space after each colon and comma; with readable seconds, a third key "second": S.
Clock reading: {"hour": 6, "minute": 45}
